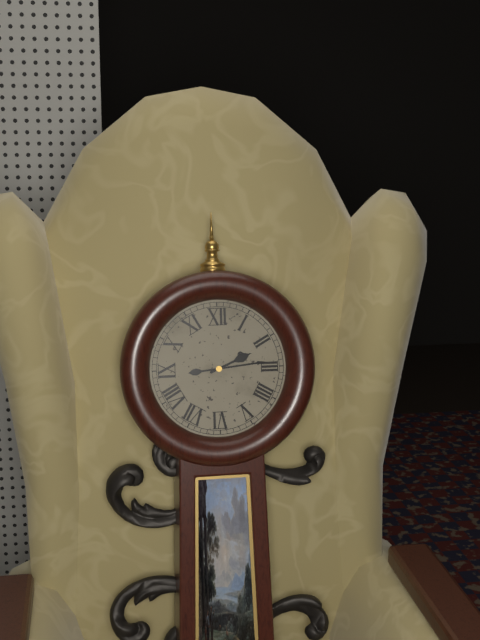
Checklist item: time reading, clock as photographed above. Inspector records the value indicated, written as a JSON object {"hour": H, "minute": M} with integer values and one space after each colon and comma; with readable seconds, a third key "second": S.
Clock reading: {"hour": 2, "minute": 14}
